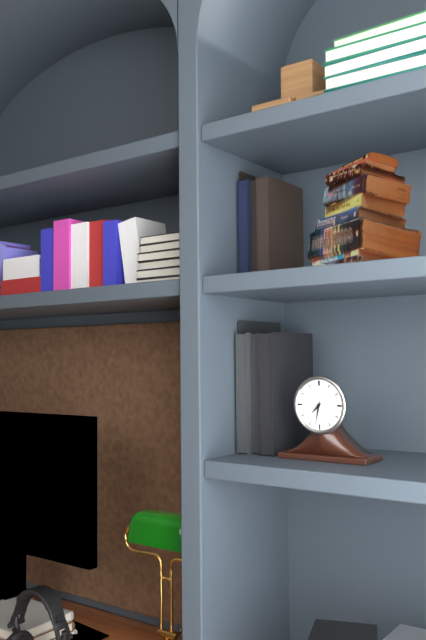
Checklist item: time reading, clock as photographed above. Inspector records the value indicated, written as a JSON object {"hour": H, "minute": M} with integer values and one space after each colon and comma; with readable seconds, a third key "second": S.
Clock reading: {"hour": 7, "minute": 32}
